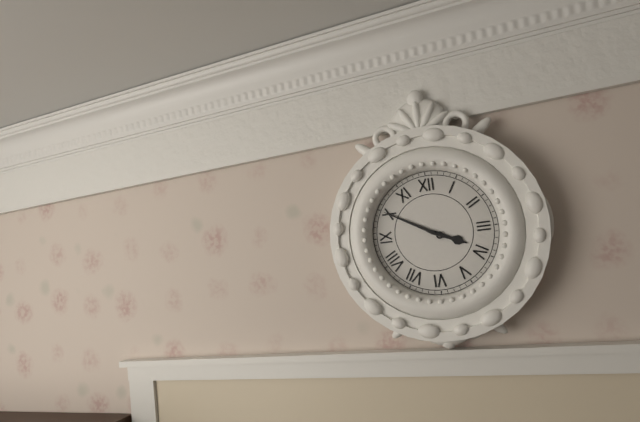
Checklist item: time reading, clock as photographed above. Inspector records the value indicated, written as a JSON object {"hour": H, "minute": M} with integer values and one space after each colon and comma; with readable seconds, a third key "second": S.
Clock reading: {"hour": 3, "minute": 50}
